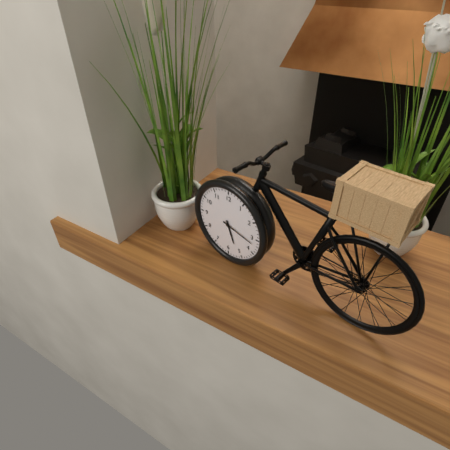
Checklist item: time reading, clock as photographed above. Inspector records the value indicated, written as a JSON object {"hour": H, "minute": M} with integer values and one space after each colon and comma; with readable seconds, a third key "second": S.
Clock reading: {"hour": 5, "minute": 17}
